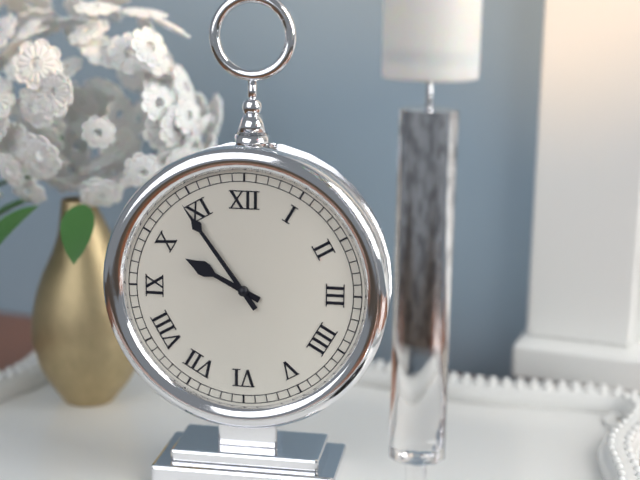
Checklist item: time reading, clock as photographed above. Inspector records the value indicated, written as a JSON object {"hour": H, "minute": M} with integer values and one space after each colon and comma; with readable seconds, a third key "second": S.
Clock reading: {"hour": 9, "minute": 54}
